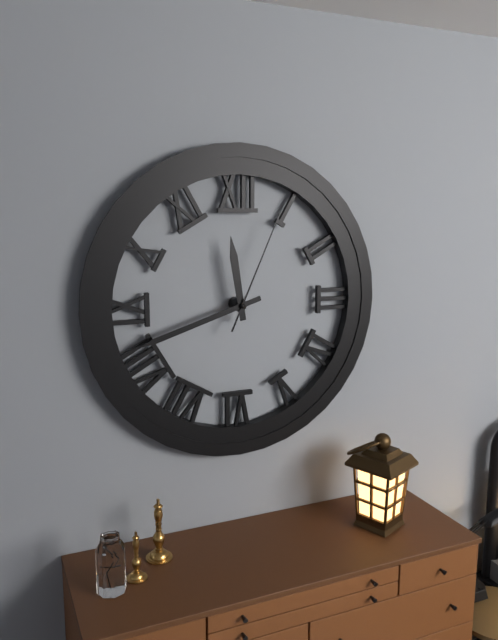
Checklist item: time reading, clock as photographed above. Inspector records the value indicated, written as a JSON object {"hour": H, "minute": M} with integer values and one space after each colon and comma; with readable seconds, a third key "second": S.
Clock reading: {"hour": 11, "minute": 42, "second": 4}
